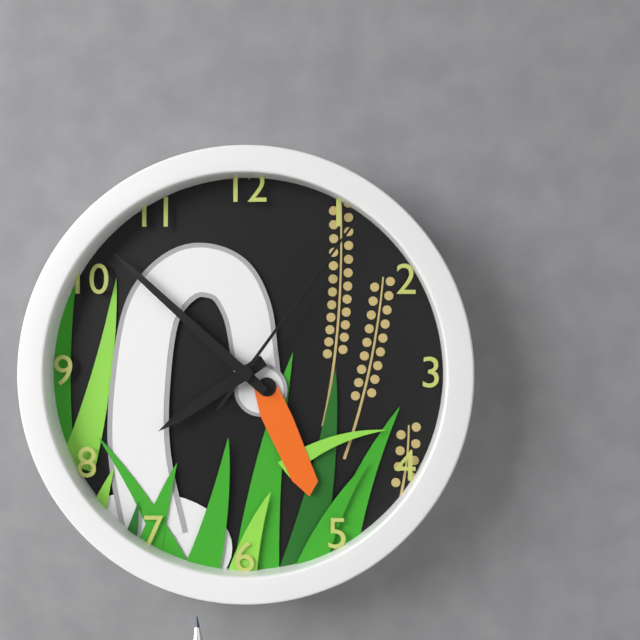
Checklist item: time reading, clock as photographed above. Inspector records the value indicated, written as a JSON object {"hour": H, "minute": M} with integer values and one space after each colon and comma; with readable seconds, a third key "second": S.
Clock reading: {"hour": 7, "minute": 52, "second": 6}
